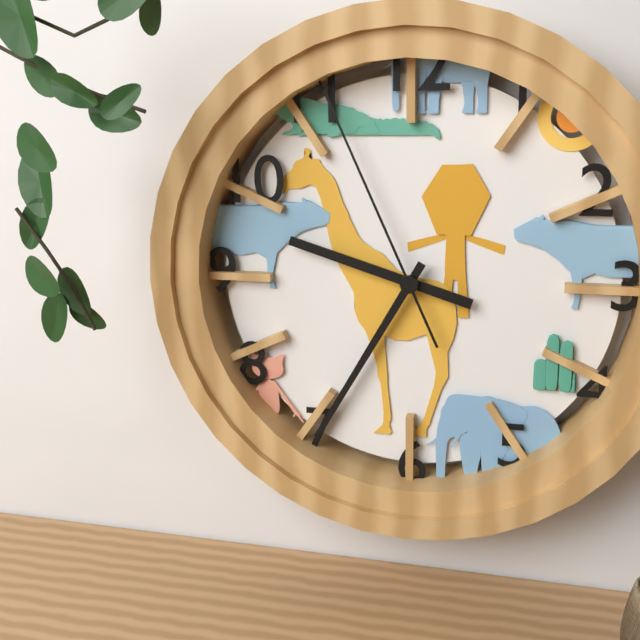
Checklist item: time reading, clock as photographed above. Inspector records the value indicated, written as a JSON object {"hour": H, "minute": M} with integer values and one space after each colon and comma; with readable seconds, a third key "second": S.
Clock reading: {"hour": 9, "minute": 35, "second": 56}
